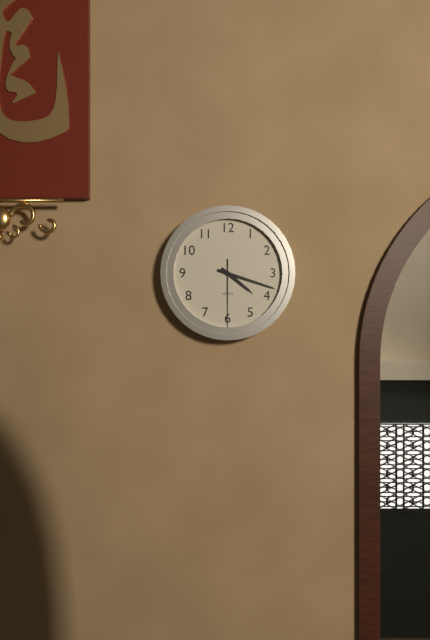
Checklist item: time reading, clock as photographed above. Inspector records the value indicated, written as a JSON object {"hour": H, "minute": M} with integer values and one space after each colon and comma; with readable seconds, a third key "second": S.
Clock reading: {"hour": 4, "minute": 18, "second": 30}
